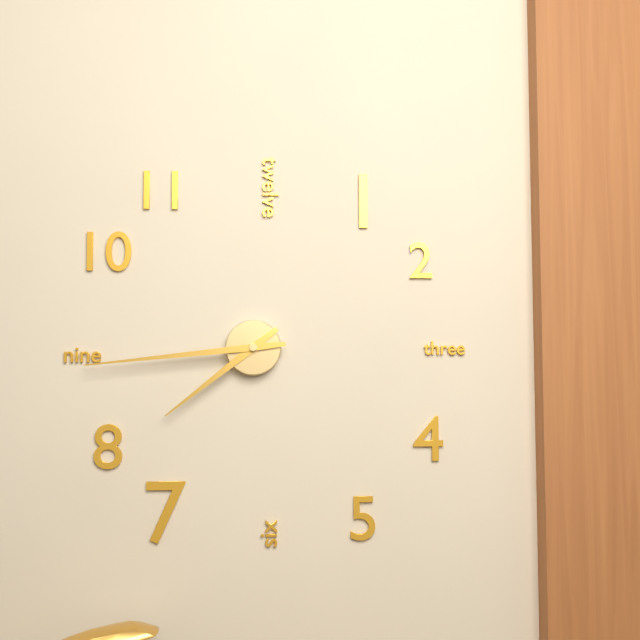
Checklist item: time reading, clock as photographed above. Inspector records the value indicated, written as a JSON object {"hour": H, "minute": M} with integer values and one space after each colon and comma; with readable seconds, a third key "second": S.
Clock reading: {"hour": 7, "minute": 44}
